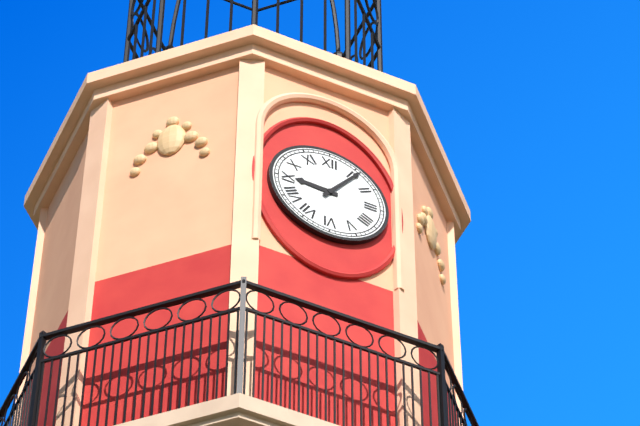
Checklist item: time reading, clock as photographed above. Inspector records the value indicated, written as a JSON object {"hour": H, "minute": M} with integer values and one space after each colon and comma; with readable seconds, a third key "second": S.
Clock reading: {"hour": 9, "minute": 6}
